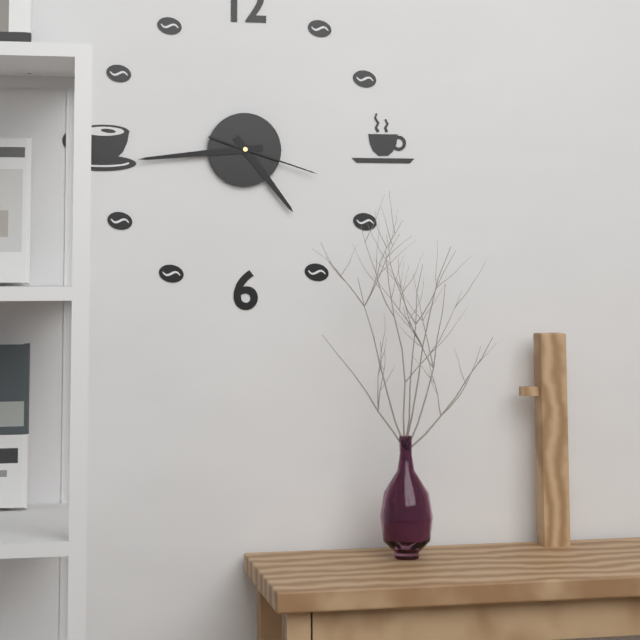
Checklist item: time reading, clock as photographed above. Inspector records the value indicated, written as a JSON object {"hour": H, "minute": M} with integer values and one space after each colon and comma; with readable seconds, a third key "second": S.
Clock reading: {"hour": 4, "minute": 44, "second": 18}
